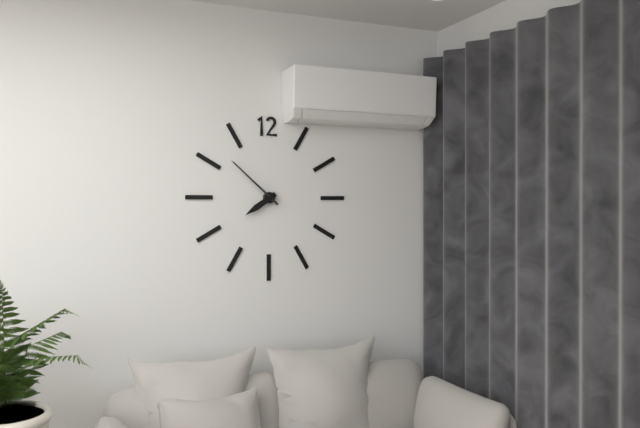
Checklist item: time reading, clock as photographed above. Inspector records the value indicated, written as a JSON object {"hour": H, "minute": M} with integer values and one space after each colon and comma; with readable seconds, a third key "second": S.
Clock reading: {"hour": 7, "minute": 52}
